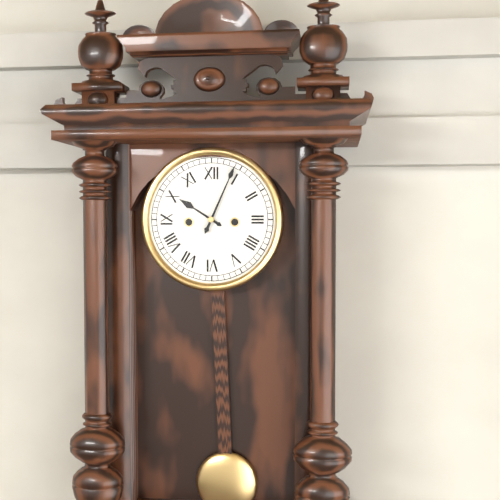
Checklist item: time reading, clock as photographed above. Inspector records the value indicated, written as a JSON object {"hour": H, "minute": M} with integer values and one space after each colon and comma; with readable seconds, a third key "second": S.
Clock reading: {"hour": 10, "minute": 4}
